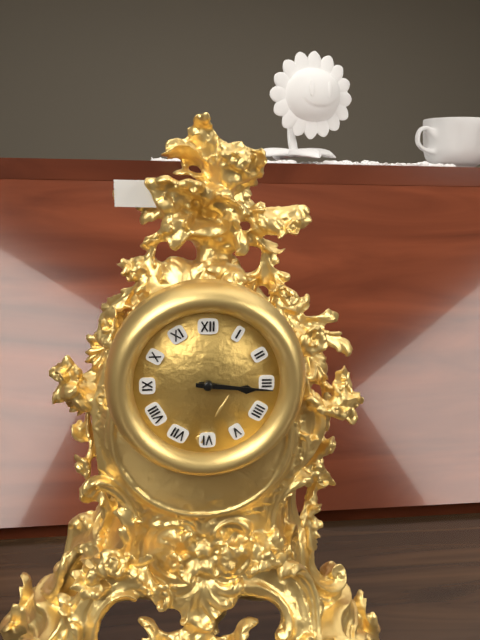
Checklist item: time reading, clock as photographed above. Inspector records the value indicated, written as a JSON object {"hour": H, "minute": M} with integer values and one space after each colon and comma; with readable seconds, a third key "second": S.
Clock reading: {"hour": 3, "minute": 16}
